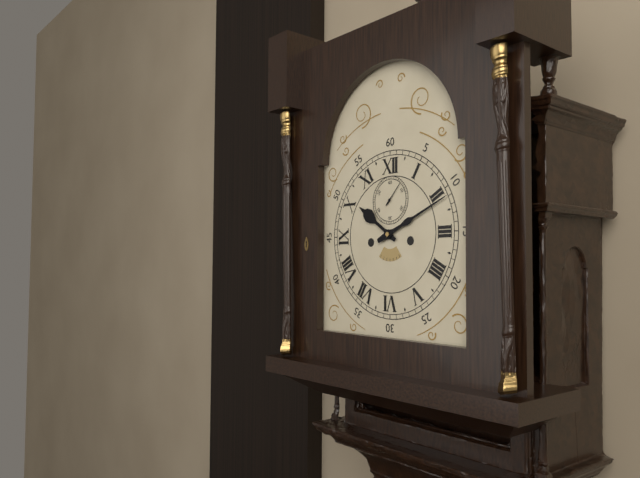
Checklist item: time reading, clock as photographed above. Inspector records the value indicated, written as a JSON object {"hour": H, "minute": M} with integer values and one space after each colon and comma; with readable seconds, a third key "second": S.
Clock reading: {"hour": 10, "minute": 11}
